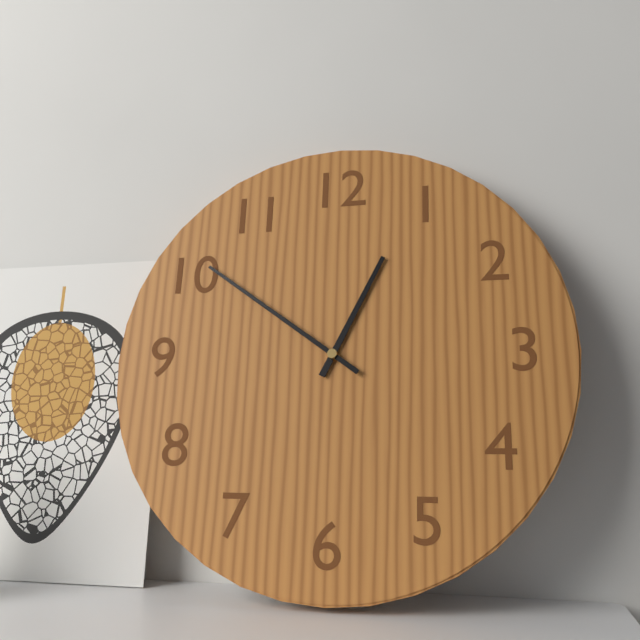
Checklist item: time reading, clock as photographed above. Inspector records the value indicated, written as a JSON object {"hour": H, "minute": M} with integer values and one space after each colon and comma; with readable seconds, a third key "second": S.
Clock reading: {"hour": 12, "minute": 51}
